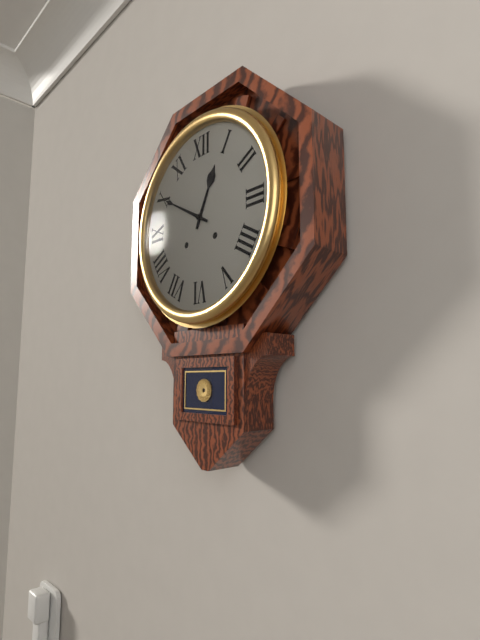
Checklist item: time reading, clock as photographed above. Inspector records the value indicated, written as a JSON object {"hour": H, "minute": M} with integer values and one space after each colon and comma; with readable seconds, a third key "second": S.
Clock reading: {"hour": 12, "minute": 50}
